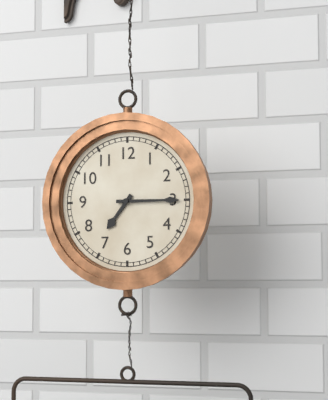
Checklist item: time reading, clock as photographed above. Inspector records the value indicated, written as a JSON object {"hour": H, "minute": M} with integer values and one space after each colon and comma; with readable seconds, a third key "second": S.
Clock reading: {"hour": 7, "minute": 15}
